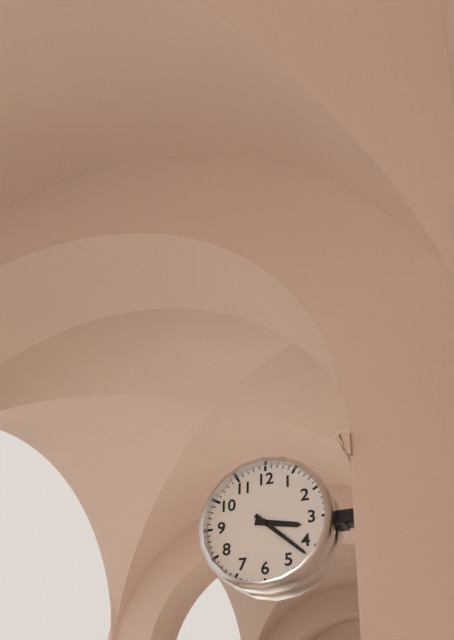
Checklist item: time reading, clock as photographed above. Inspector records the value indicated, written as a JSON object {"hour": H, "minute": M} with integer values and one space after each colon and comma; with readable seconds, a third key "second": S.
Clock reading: {"hour": 3, "minute": 22}
